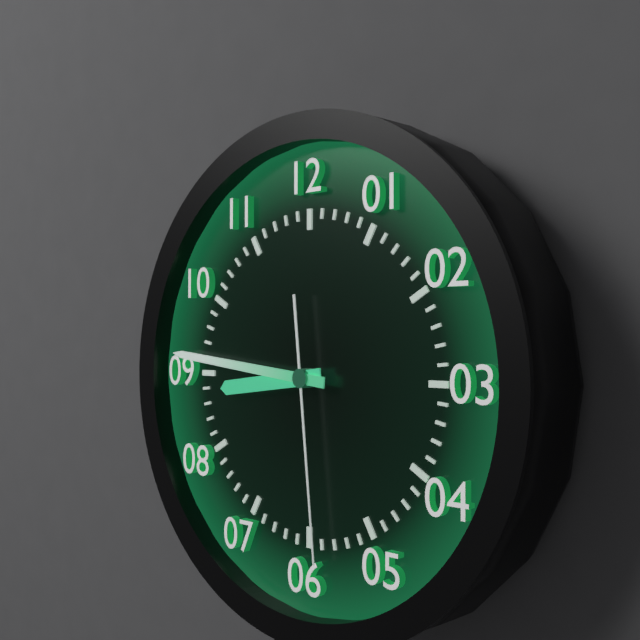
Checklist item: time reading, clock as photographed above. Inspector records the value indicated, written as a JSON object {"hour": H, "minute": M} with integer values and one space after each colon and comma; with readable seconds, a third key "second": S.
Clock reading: {"hour": 8, "minute": 46, "second": 29}
